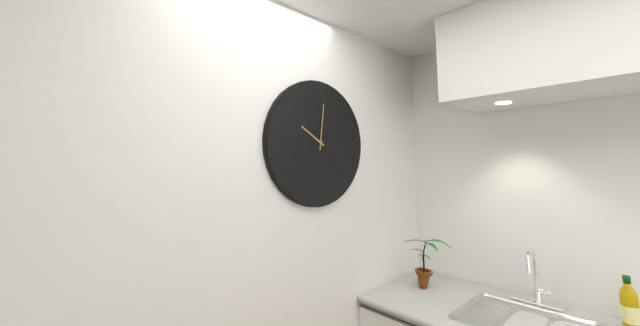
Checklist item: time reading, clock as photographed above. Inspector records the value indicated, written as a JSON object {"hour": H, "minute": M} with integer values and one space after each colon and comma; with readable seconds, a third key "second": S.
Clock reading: {"hour": 10, "minute": 1}
